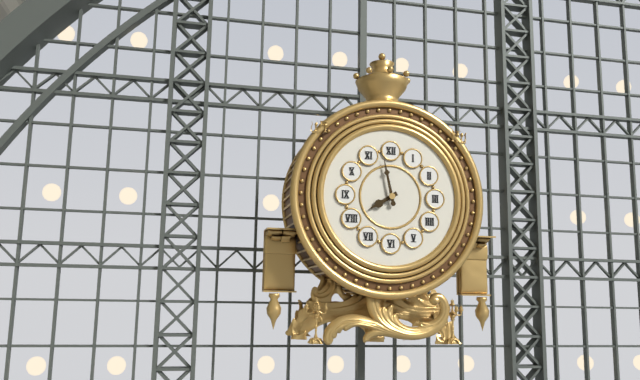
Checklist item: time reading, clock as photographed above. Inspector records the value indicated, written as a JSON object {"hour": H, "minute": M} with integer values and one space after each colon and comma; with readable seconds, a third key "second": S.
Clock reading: {"hour": 7, "minute": 58}
